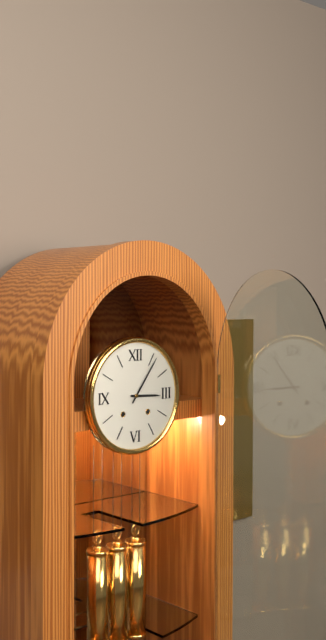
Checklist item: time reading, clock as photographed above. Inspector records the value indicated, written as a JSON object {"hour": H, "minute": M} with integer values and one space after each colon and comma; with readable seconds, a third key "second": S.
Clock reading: {"hour": 3, "minute": 6}
